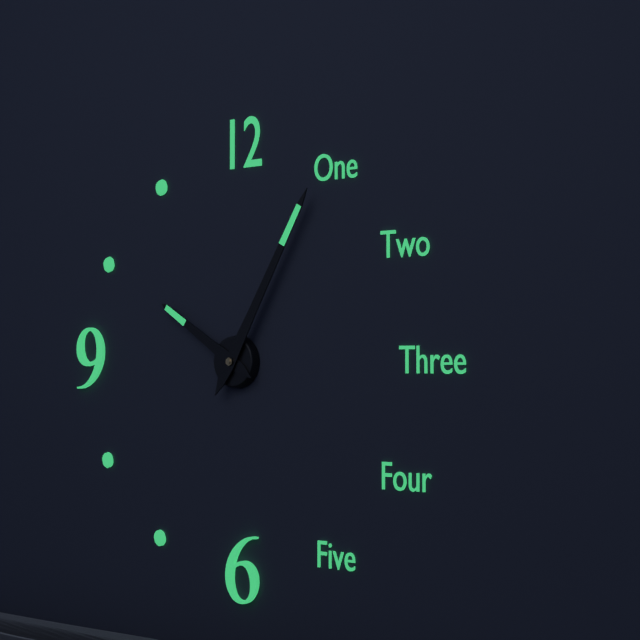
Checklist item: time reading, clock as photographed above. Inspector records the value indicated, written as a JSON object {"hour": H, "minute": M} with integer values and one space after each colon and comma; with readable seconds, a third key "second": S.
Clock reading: {"hour": 10, "minute": 5}
